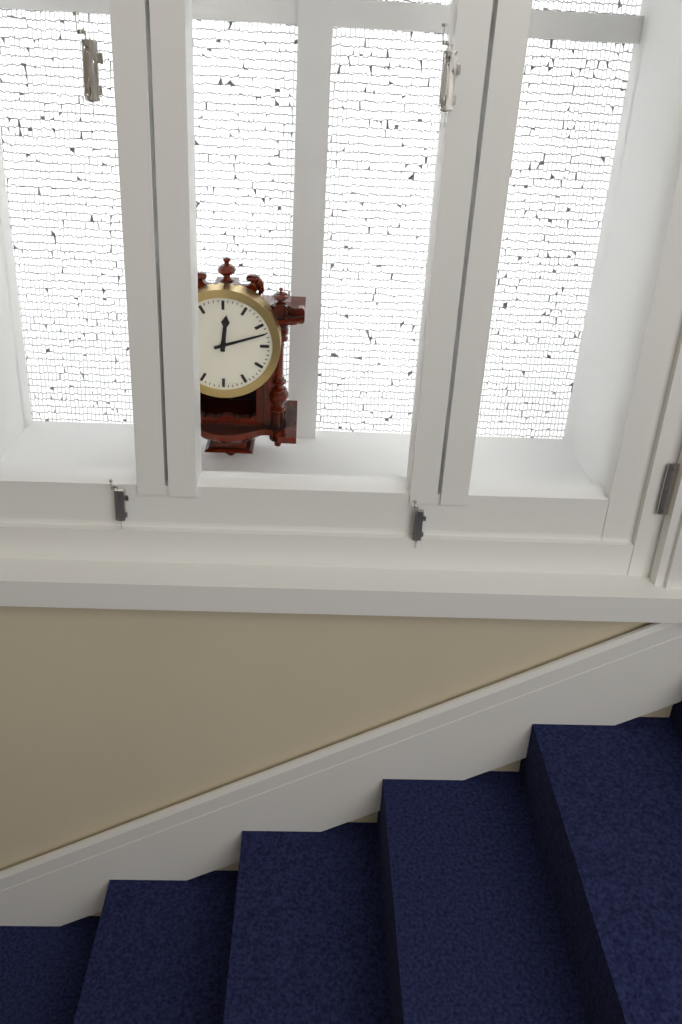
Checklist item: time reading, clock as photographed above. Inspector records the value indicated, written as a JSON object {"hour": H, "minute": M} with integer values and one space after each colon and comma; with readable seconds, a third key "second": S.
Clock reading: {"hour": 12, "minute": 12}
